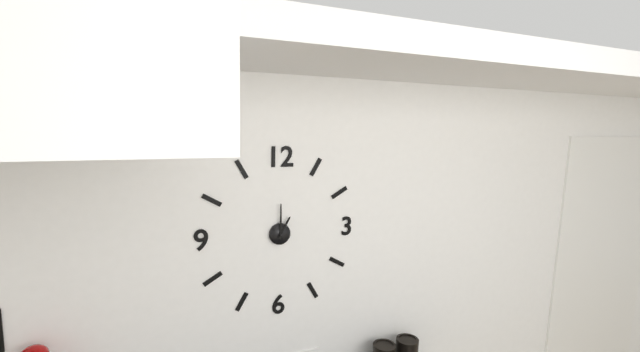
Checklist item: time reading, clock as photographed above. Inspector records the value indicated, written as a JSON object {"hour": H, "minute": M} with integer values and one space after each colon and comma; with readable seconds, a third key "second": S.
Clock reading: {"hour": 1, "minute": 0}
